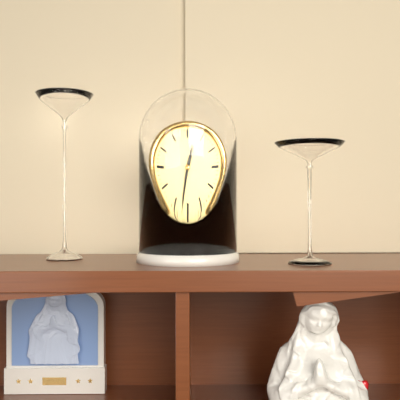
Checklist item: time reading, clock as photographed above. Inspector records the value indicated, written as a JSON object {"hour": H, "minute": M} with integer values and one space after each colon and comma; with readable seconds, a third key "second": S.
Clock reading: {"hour": 12, "minute": 32}
